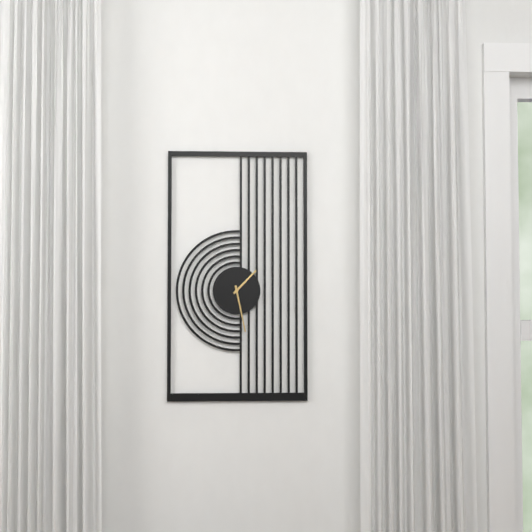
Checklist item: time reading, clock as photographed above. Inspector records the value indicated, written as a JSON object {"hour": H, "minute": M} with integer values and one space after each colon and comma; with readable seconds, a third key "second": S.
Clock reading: {"hour": 1, "minute": 28}
